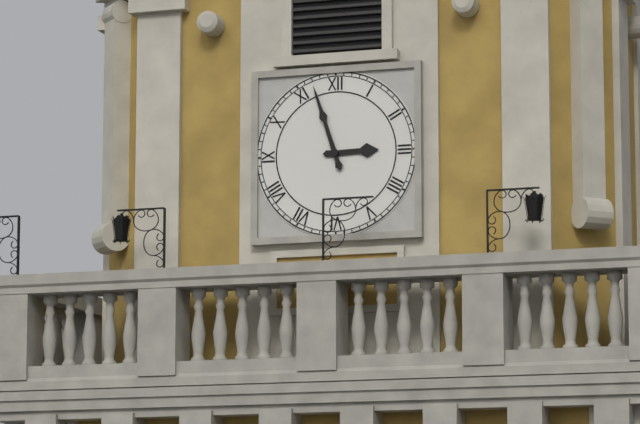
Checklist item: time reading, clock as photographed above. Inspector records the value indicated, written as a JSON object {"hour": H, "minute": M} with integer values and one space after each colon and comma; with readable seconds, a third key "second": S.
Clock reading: {"hour": 2, "minute": 57}
